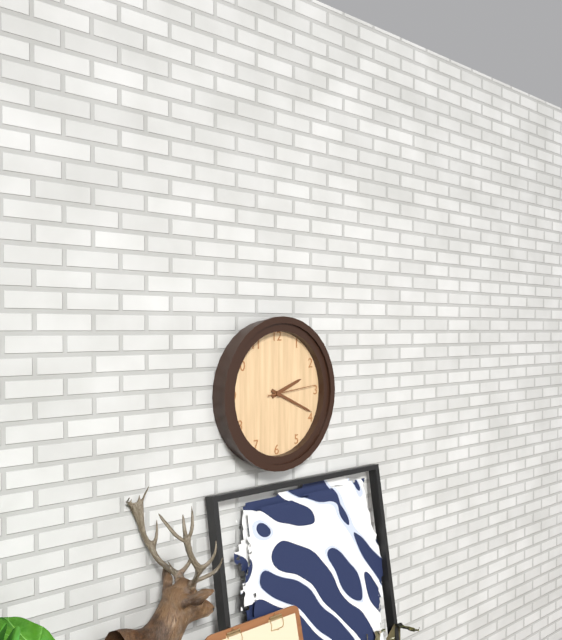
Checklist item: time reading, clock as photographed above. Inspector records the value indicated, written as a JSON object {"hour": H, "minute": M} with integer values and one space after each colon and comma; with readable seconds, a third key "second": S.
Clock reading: {"hour": 2, "minute": 19, "second": 14}
